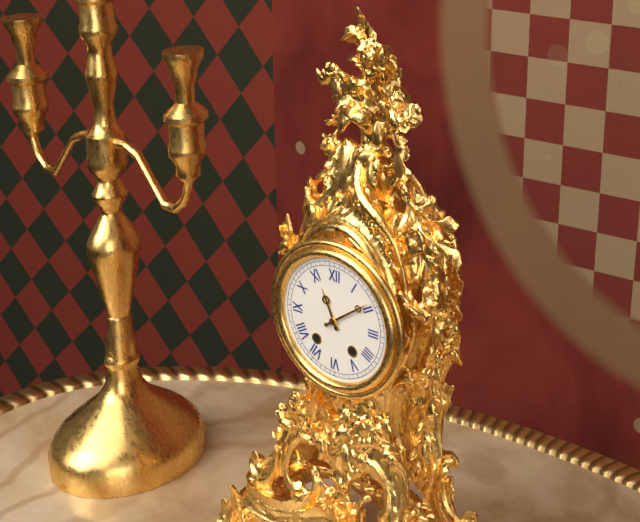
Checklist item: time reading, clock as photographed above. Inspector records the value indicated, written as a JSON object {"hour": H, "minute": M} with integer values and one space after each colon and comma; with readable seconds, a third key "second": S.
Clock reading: {"hour": 11, "minute": 9}
